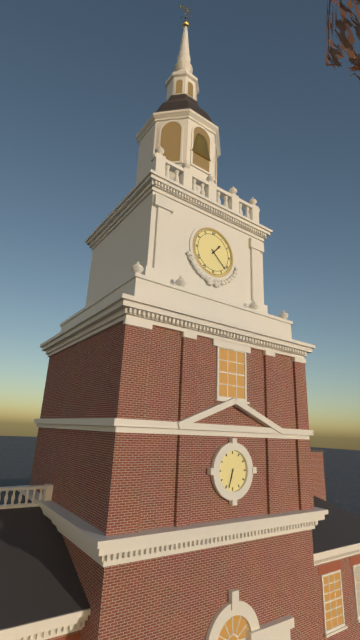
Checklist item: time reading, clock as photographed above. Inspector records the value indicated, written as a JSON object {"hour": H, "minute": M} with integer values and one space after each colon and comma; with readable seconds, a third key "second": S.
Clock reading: {"hour": 1, "minute": 22}
